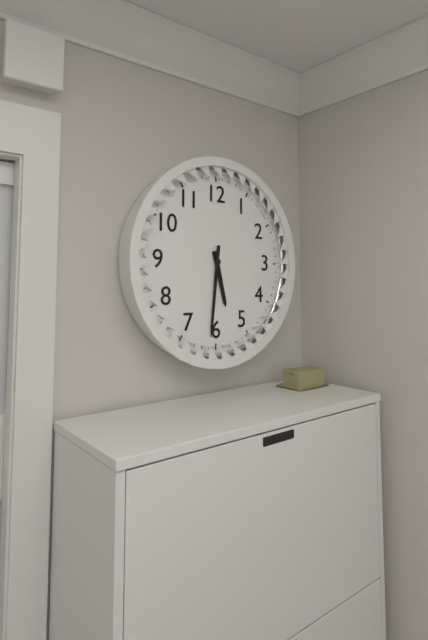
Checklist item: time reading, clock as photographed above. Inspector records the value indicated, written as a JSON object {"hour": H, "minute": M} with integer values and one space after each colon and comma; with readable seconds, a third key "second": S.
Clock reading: {"hour": 5, "minute": 31}
